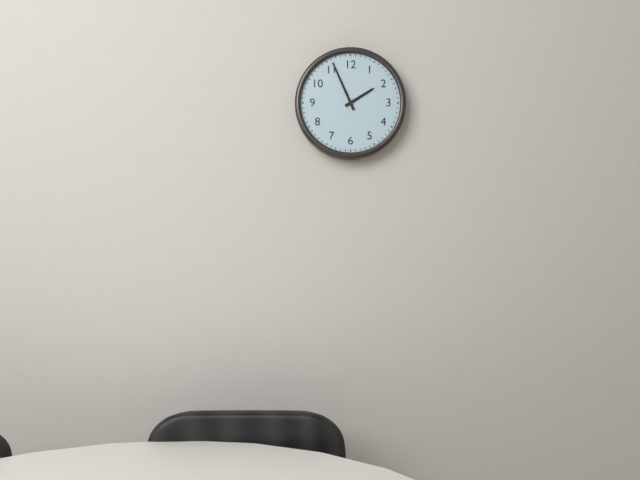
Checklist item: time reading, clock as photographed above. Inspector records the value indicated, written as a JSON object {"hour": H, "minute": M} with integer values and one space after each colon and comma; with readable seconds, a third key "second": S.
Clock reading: {"hour": 1, "minute": 56}
